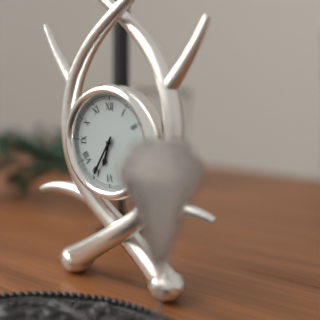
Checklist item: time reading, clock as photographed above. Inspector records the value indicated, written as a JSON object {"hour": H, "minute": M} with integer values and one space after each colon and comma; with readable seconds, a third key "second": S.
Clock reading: {"hour": 6, "minute": 35}
